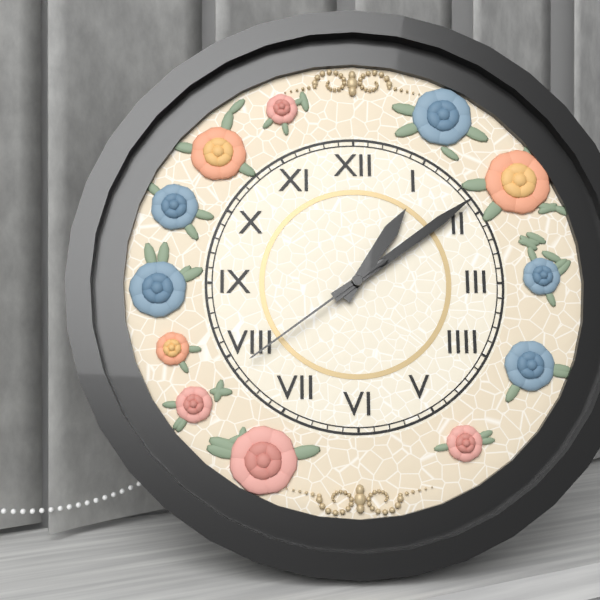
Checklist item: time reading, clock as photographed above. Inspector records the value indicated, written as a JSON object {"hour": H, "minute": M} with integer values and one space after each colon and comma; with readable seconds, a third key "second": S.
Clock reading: {"hour": 1, "minute": 9, "second": 39}
